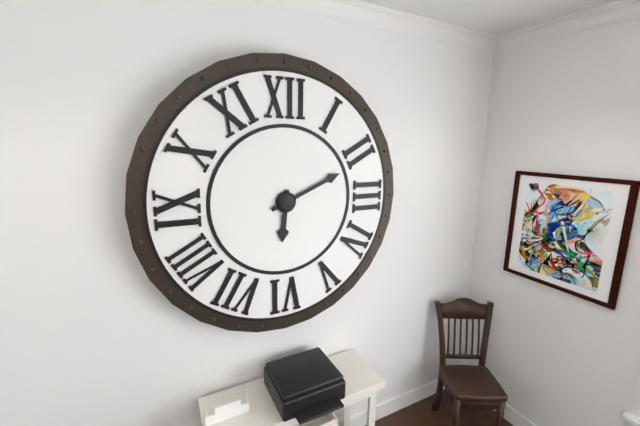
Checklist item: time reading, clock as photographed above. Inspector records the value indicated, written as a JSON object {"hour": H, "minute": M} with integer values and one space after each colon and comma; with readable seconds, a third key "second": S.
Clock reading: {"hour": 6, "minute": 11}
